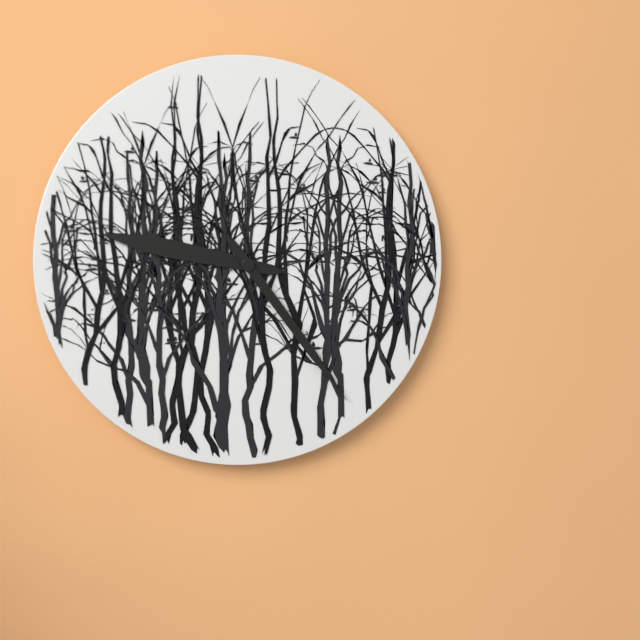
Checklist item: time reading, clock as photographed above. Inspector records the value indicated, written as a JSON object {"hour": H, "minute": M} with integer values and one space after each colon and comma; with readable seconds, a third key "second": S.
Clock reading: {"hour": 9, "minute": 24}
